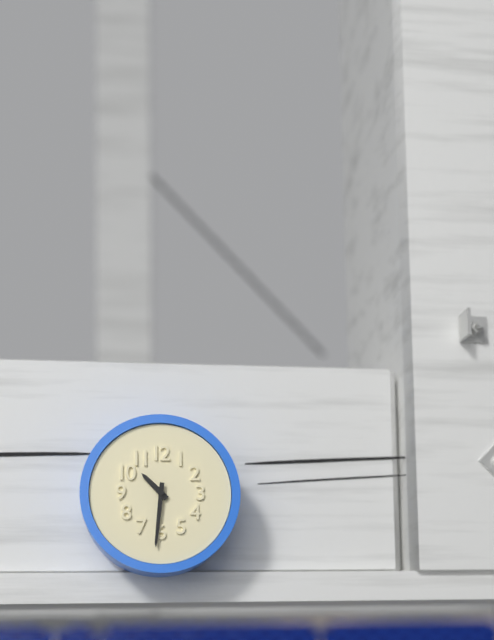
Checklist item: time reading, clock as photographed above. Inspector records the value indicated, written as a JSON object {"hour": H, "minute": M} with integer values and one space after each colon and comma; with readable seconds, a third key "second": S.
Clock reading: {"hour": 10, "minute": 31}
